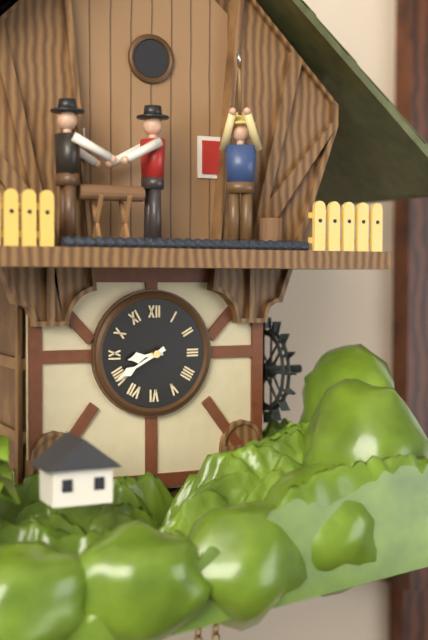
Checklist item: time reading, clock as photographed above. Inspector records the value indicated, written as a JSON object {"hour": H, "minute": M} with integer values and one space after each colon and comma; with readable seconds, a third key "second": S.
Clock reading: {"hour": 8, "minute": 40}
